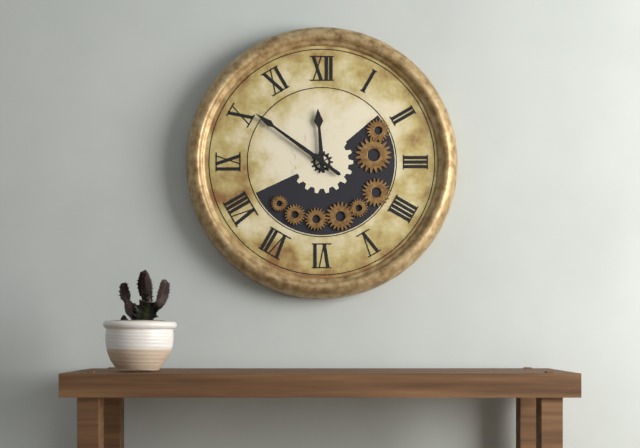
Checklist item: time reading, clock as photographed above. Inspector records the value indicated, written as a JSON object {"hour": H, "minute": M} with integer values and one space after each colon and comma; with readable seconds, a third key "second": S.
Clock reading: {"hour": 11, "minute": 51}
